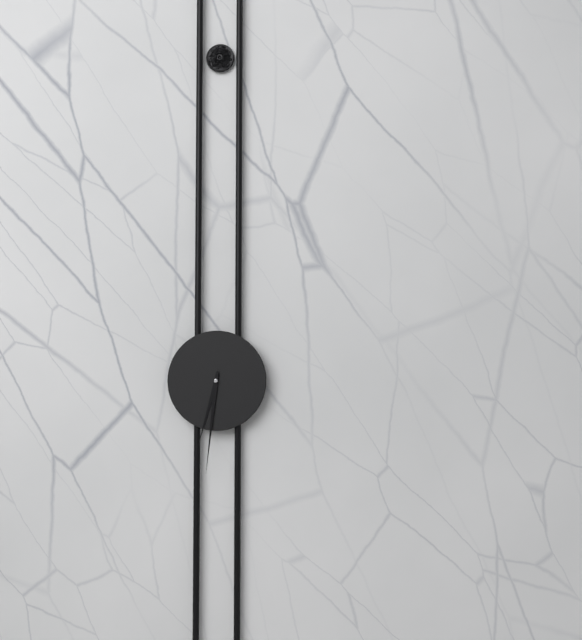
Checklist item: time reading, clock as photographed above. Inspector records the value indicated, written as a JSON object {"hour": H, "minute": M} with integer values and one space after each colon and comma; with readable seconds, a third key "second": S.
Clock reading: {"hour": 6, "minute": 31}
